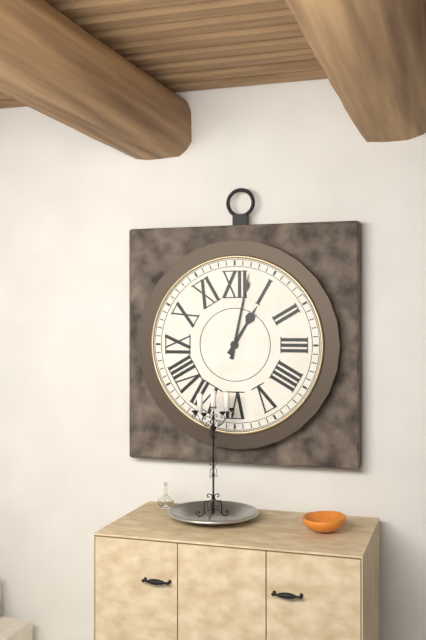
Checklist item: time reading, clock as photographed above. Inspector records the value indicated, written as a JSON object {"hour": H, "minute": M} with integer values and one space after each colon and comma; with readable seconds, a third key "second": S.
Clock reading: {"hour": 1, "minute": 2}
